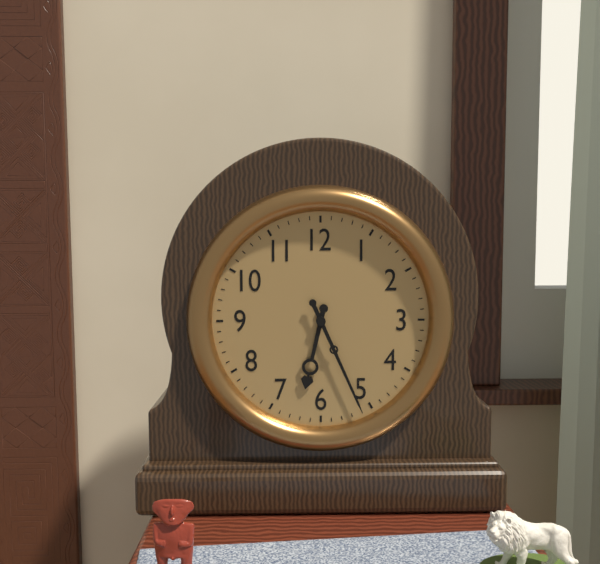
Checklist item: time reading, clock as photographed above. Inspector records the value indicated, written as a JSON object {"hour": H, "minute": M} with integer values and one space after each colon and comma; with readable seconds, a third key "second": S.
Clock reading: {"hour": 6, "minute": 26}
